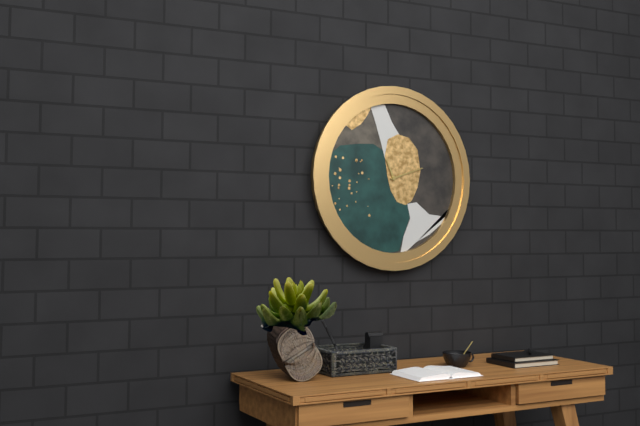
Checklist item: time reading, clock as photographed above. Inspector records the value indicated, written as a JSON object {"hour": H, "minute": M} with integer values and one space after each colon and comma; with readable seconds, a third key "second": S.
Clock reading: {"hour": 11, "minute": 12}
